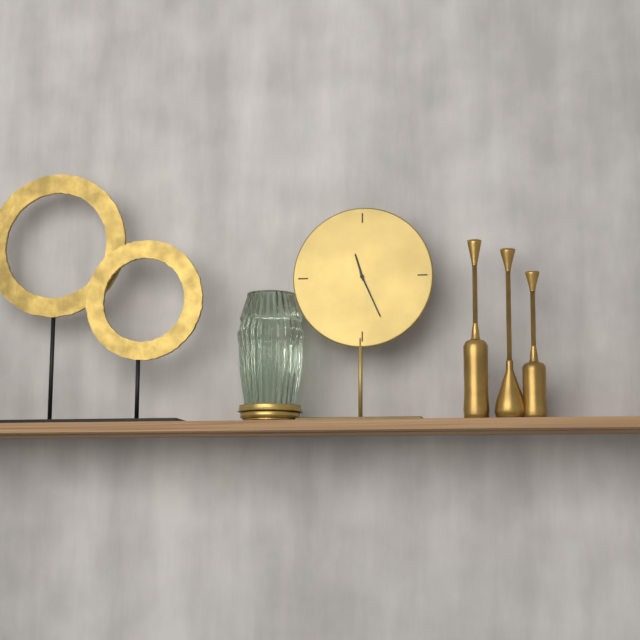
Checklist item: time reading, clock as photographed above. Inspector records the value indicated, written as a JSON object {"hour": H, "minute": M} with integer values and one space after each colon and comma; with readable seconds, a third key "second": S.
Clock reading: {"hour": 11, "minute": 26}
